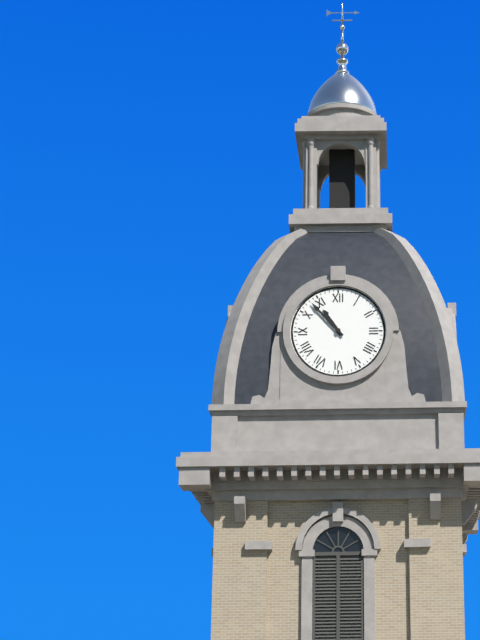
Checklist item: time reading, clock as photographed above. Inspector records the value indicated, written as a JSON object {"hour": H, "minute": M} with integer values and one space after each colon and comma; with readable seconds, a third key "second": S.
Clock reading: {"hour": 10, "minute": 53}
